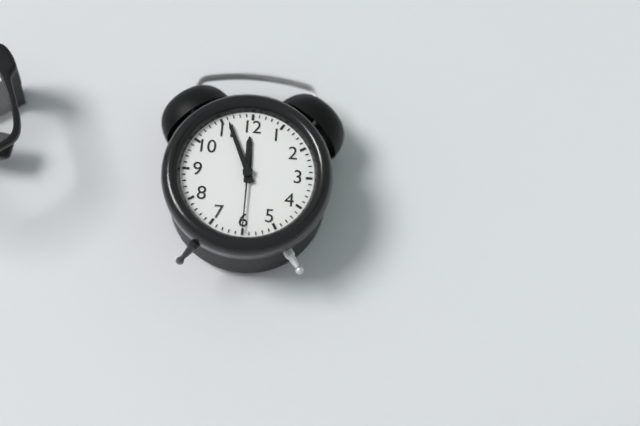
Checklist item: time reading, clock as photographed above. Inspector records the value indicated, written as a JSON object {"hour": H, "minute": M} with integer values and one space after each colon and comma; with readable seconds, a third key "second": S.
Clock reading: {"hour": 11, "minute": 56, "second": 30}
